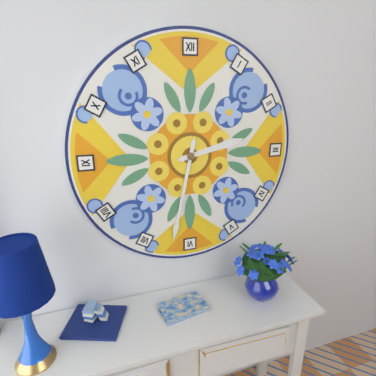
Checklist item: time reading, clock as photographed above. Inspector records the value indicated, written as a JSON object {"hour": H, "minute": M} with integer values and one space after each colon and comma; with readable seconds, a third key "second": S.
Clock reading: {"hour": 2, "minute": 32}
